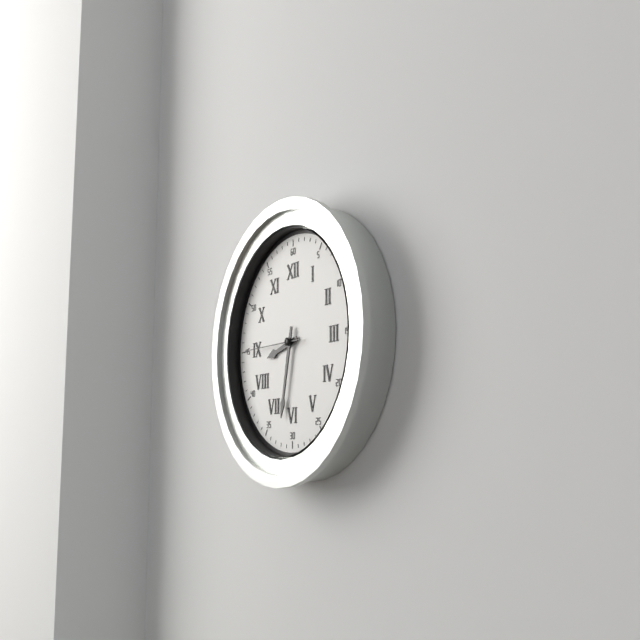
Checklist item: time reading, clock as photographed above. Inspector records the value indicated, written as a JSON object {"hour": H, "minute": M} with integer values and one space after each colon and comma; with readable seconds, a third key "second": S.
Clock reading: {"hour": 8, "minute": 32, "second": 45}
